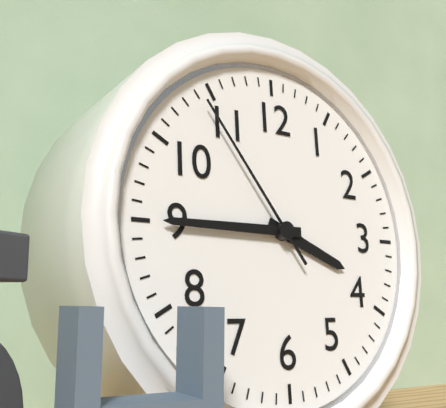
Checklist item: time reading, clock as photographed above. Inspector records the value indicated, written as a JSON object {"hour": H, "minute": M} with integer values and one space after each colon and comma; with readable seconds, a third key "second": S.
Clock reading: {"hour": 3, "minute": 45, "second": 54}
